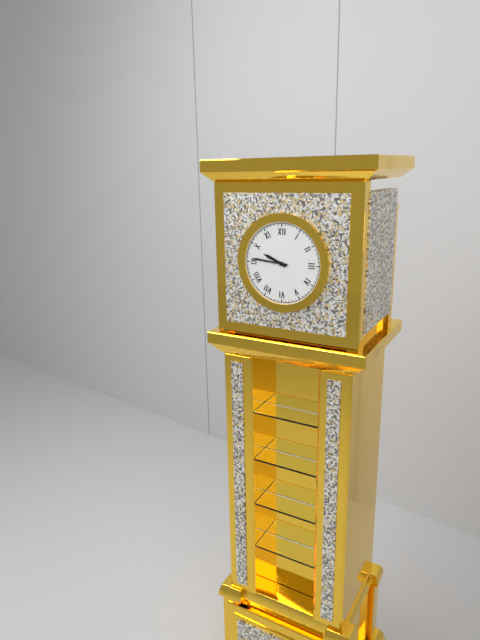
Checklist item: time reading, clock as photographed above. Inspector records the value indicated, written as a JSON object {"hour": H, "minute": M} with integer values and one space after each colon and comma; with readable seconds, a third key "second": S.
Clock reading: {"hour": 9, "minute": 46}
